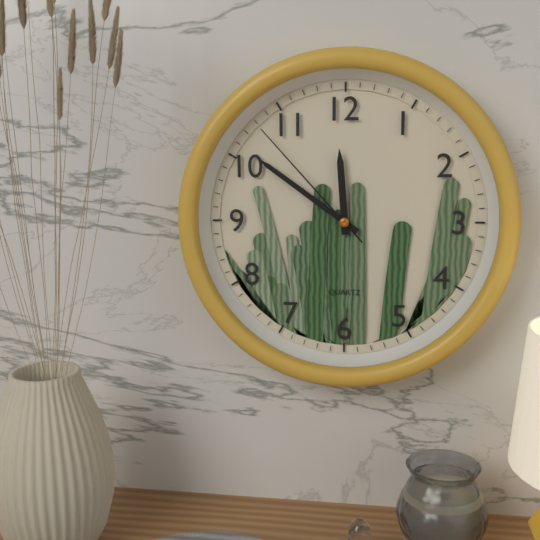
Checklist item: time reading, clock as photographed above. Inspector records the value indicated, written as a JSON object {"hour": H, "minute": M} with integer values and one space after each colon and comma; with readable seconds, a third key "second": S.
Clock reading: {"hour": 11, "minute": 51, "second": 53}
